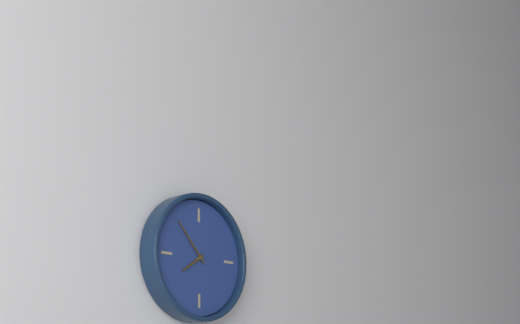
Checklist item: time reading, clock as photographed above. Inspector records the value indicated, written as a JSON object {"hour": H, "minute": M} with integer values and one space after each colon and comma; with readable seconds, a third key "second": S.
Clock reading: {"hour": 7, "minute": 53}
